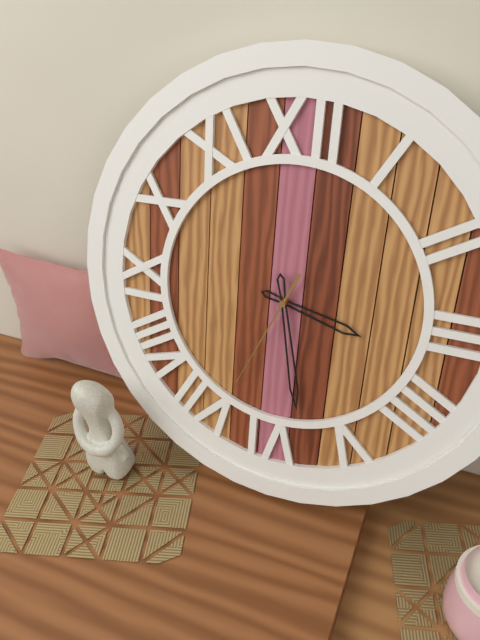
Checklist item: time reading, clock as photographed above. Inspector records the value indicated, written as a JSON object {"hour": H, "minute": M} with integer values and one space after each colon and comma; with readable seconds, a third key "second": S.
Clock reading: {"hour": 3, "minute": 28, "second": 34}
